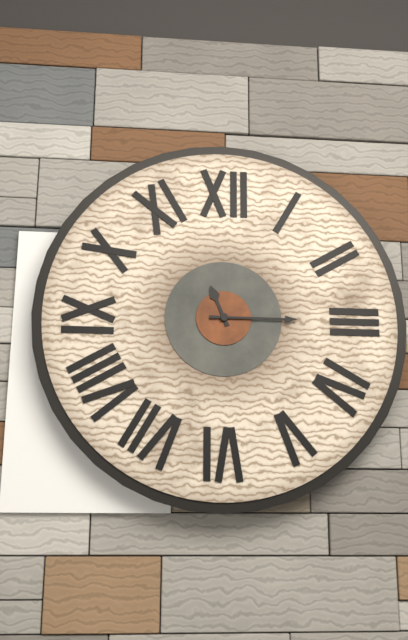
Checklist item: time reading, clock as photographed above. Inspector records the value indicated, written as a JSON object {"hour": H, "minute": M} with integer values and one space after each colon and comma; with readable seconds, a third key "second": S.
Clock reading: {"hour": 11, "minute": 15}
